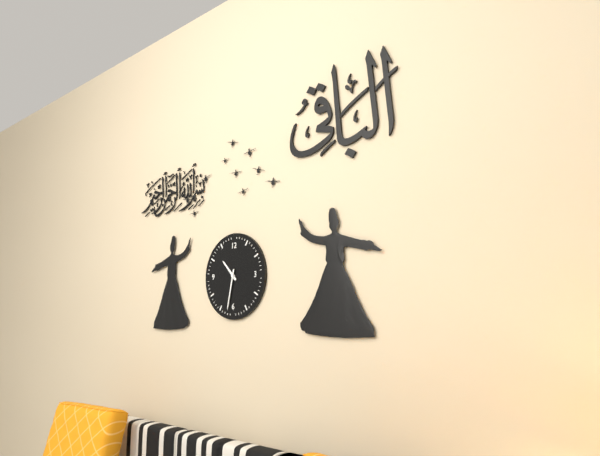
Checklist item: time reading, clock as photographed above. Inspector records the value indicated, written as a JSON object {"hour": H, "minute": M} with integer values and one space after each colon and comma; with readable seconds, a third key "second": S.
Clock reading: {"hour": 10, "minute": 32}
